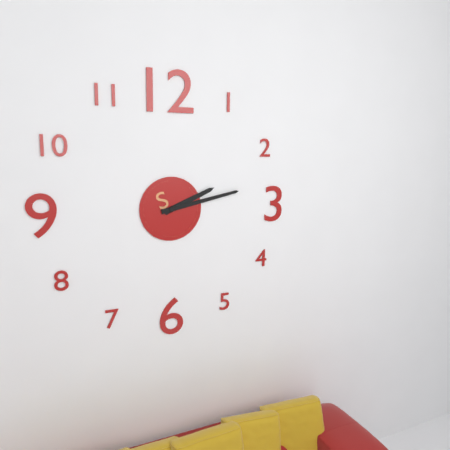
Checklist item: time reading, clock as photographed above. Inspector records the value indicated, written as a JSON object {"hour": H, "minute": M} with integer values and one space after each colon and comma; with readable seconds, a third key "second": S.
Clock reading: {"hour": 2, "minute": 13}
